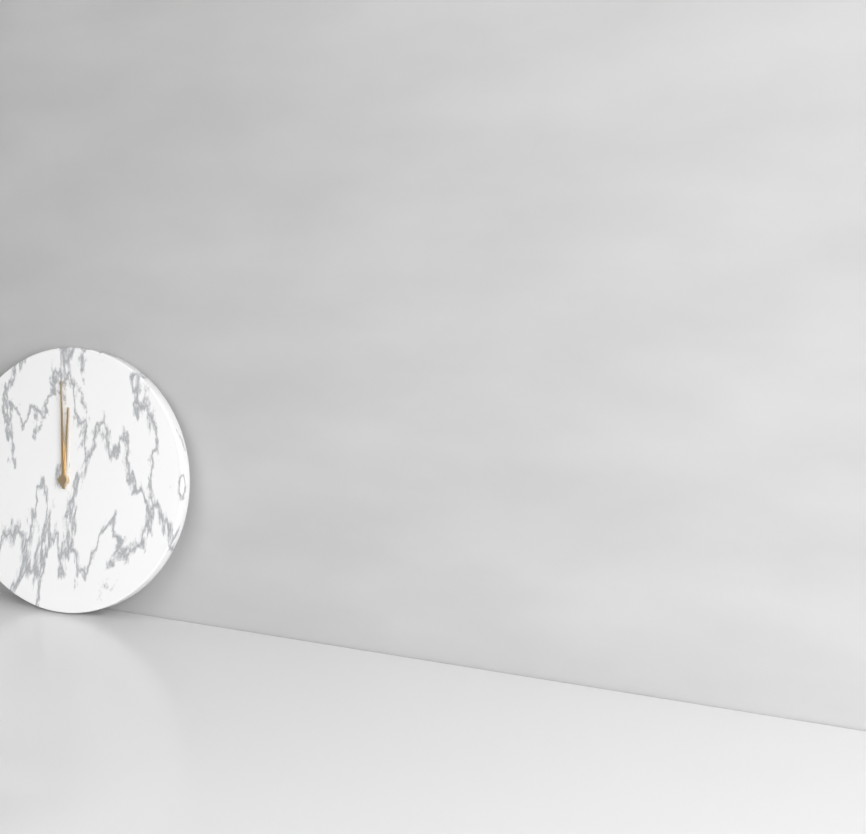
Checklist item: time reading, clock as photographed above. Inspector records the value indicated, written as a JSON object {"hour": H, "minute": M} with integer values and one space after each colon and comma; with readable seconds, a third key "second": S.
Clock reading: {"hour": 11, "minute": 59}
